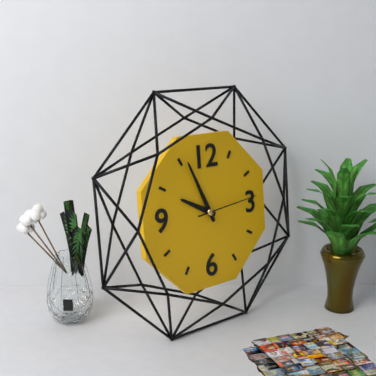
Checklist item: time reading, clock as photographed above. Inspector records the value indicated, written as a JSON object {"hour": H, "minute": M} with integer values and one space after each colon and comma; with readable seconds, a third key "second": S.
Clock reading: {"hour": 9, "minute": 56, "second": 14}
